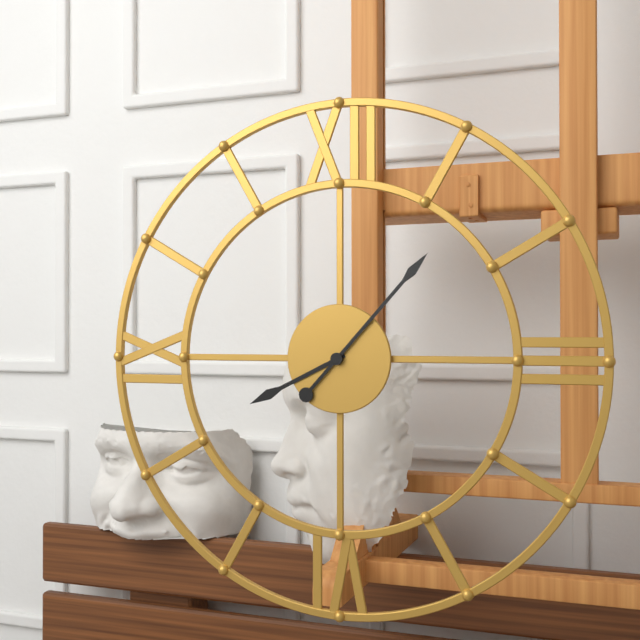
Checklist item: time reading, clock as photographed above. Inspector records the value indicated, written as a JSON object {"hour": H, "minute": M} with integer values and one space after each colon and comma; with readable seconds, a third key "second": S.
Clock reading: {"hour": 8, "minute": 7}
